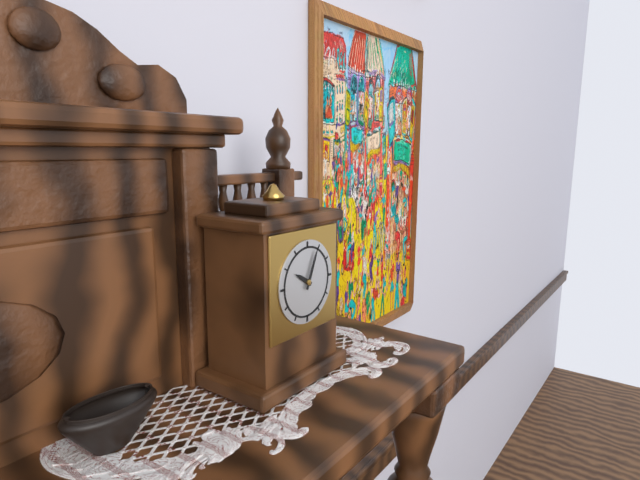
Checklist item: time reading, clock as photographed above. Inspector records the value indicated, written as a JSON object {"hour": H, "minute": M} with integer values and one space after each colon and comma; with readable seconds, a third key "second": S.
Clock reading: {"hour": 10, "minute": 4}
